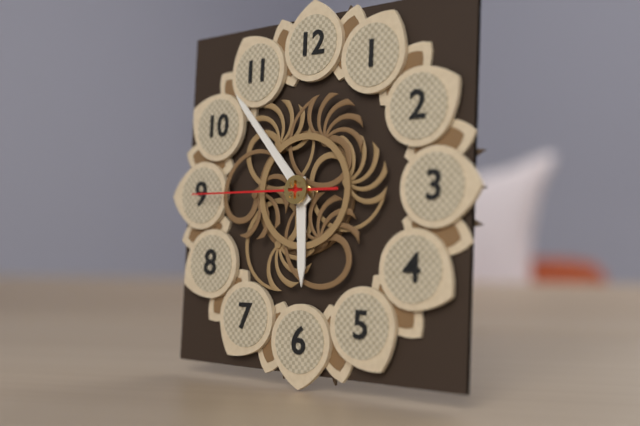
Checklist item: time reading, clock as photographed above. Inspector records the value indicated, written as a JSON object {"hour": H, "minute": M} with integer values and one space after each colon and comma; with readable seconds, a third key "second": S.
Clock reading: {"hour": 5, "minute": 53, "second": 45}
